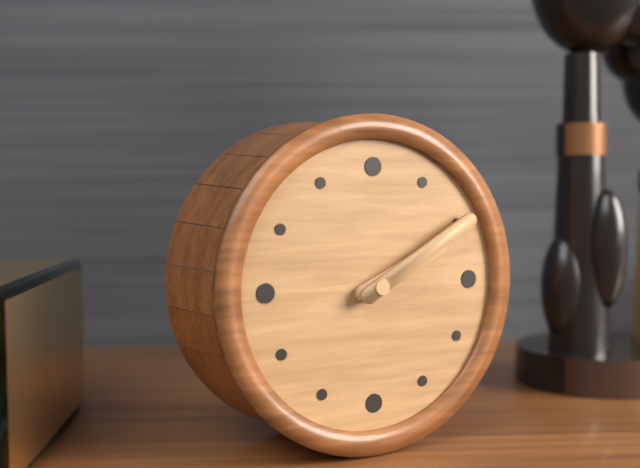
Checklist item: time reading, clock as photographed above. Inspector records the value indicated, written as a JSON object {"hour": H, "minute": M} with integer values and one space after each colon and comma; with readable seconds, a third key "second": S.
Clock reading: {"hour": 2, "minute": 10}
